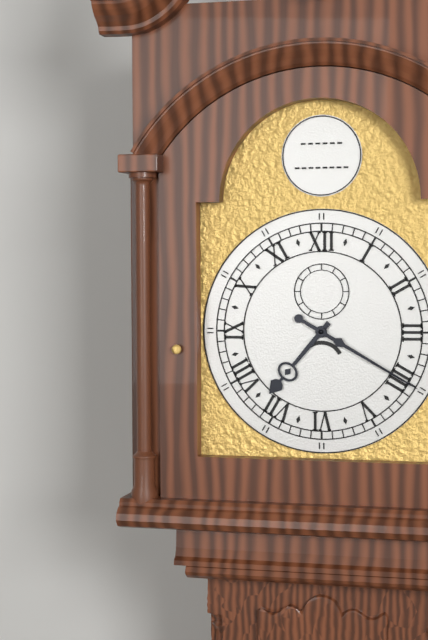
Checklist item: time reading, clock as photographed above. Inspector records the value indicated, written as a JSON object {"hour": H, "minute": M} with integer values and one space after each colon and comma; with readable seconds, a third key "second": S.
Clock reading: {"hour": 7, "minute": 20}
